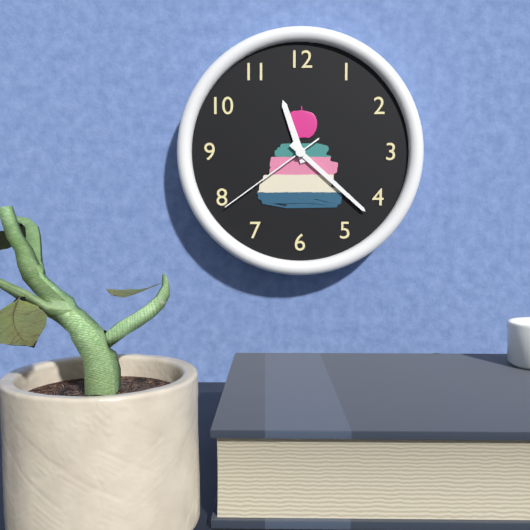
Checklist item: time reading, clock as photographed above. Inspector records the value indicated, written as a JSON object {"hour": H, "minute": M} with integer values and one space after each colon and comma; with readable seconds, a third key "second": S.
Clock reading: {"hour": 11, "minute": 22, "second": 39}
